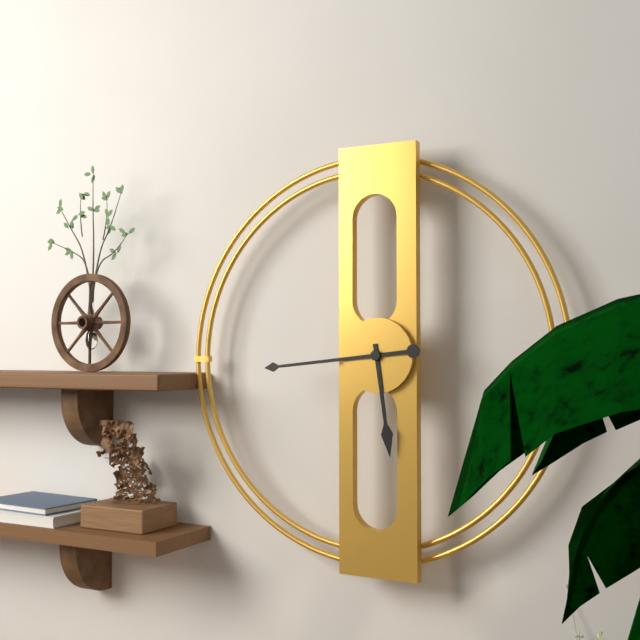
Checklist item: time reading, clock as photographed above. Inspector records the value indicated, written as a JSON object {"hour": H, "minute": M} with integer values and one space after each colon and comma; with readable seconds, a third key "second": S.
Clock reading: {"hour": 5, "minute": 44}
